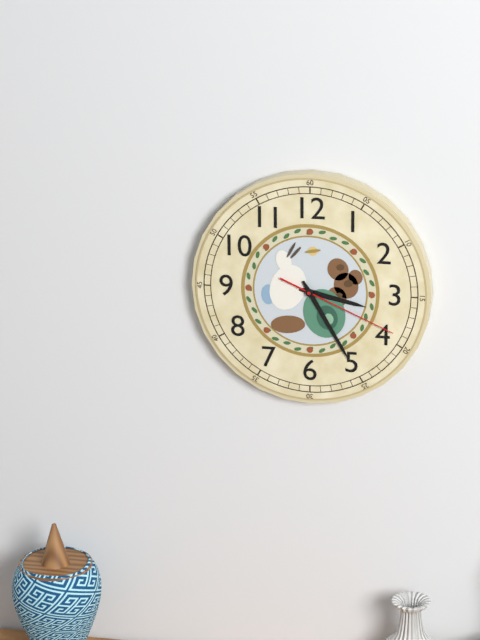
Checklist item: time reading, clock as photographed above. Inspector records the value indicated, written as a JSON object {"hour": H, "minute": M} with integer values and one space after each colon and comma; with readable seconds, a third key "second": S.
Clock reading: {"hour": 3, "minute": 25, "second": 19}
